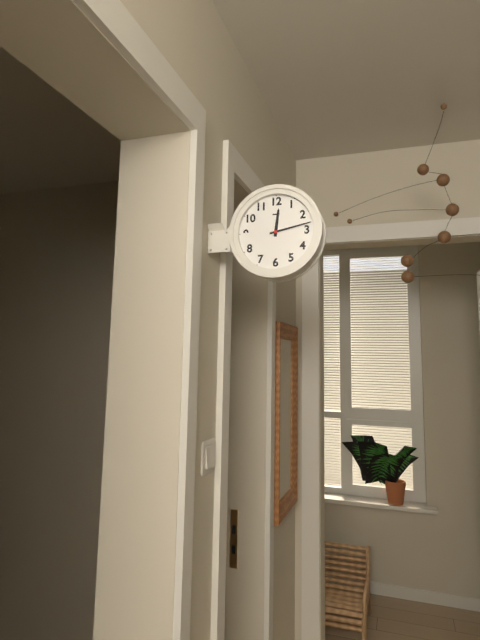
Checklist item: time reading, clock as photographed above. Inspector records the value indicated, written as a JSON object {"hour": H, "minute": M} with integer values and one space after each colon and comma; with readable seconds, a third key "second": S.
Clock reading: {"hour": 12, "minute": 13}
